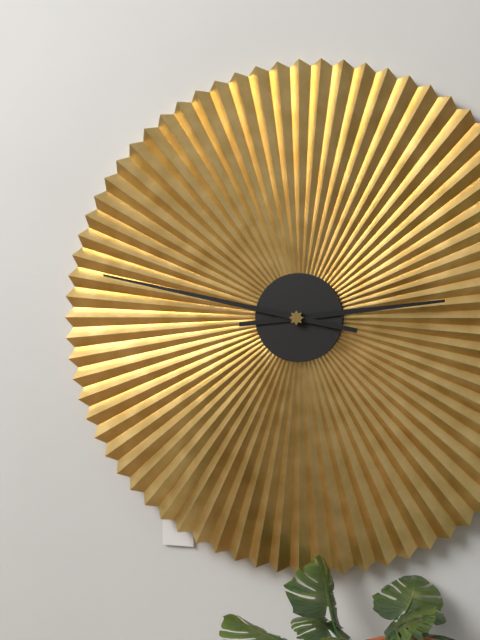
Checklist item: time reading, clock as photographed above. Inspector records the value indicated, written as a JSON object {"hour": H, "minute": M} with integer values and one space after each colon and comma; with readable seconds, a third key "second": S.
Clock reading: {"hour": 2, "minute": 47}
